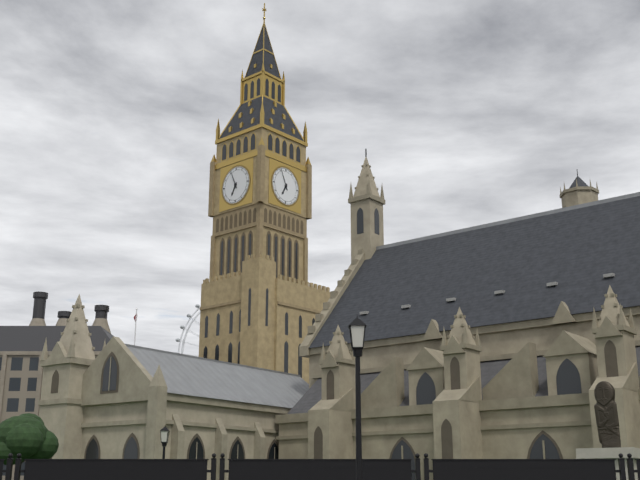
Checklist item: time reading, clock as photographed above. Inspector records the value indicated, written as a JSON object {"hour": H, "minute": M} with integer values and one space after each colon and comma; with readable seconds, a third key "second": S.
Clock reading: {"hour": 6, "minute": 56}
